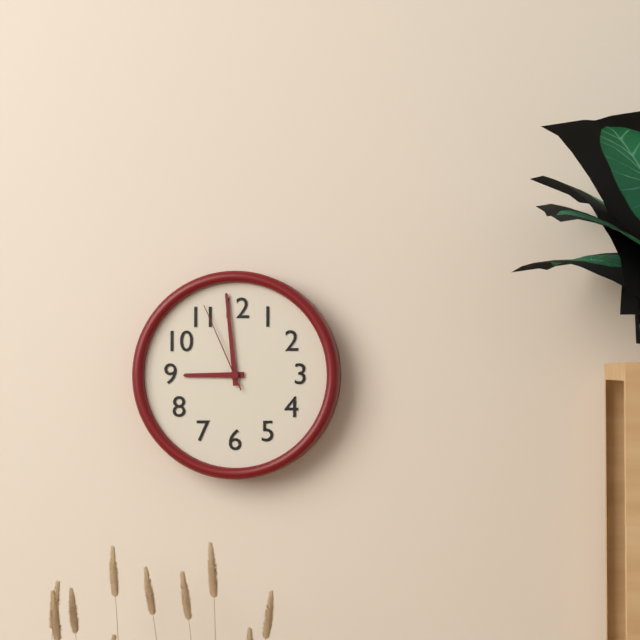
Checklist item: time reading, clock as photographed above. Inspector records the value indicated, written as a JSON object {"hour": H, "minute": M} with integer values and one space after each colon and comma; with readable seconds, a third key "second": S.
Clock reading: {"hour": 8, "minute": 59, "second": 56}
